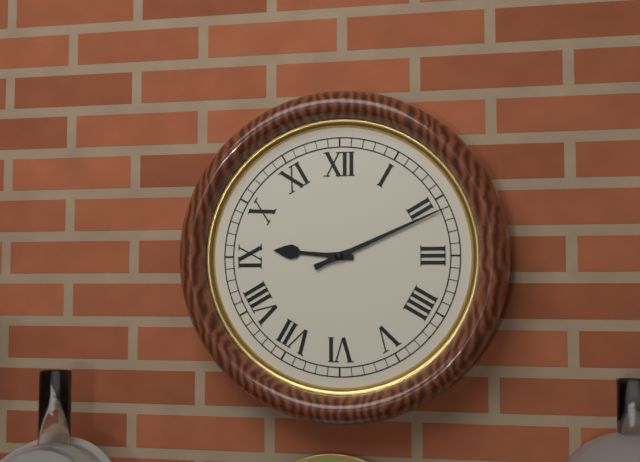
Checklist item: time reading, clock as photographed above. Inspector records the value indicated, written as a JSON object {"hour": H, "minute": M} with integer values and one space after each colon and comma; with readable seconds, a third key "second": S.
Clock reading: {"hour": 9, "minute": 11}
